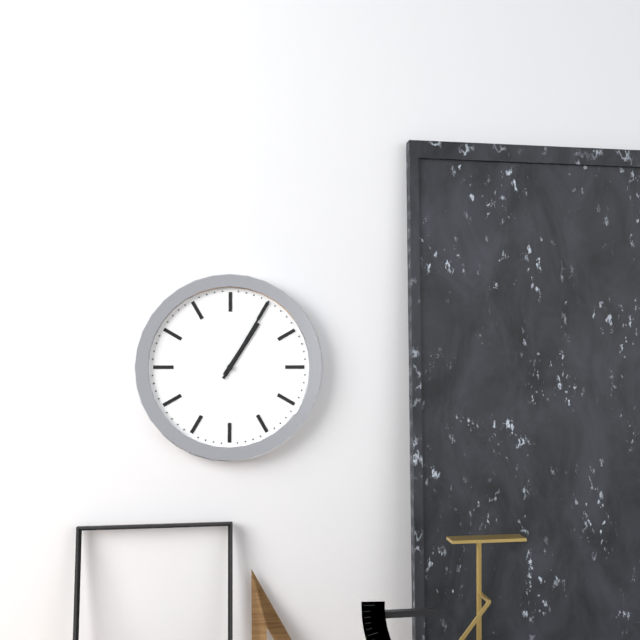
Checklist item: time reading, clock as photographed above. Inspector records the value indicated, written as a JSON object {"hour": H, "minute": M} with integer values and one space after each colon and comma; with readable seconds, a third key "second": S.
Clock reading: {"hour": 1, "minute": 5}
